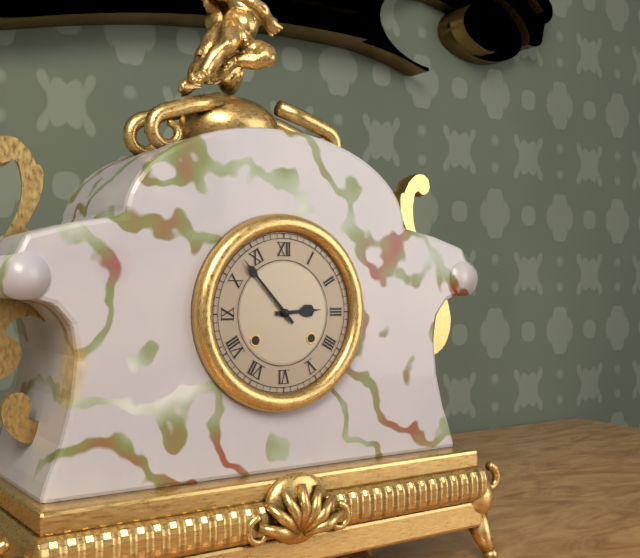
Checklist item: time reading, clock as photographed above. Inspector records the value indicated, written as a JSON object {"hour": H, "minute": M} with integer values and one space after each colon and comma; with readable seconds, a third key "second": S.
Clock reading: {"hour": 2, "minute": 53}
